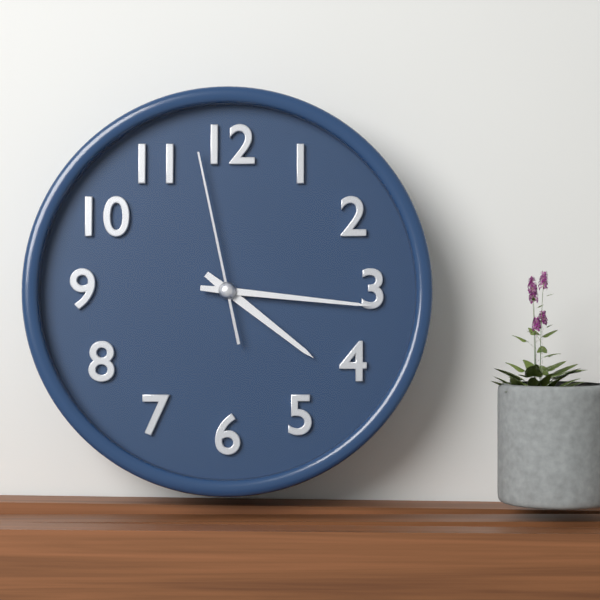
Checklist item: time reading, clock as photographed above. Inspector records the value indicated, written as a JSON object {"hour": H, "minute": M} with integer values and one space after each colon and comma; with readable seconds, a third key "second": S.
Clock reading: {"hour": 4, "minute": 16, "second": 58}
